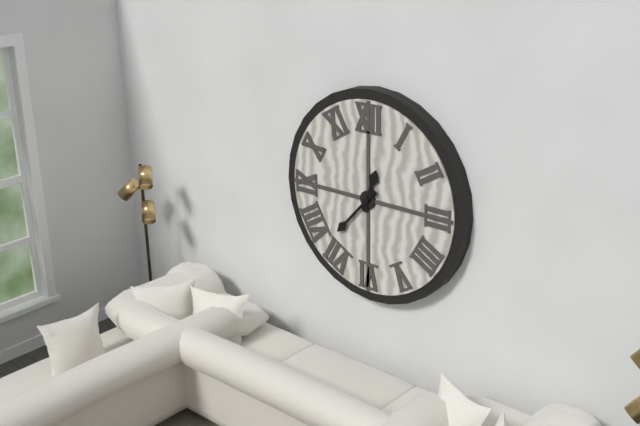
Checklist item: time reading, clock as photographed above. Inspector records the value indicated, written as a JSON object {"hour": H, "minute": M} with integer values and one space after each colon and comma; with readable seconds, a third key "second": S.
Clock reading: {"hour": 12, "minute": 37}
